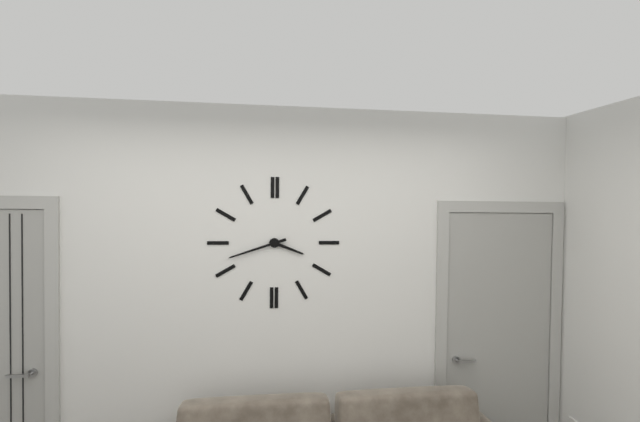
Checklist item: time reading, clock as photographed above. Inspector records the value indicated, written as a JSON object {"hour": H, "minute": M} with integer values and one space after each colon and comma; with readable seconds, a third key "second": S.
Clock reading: {"hour": 3, "minute": 42}
